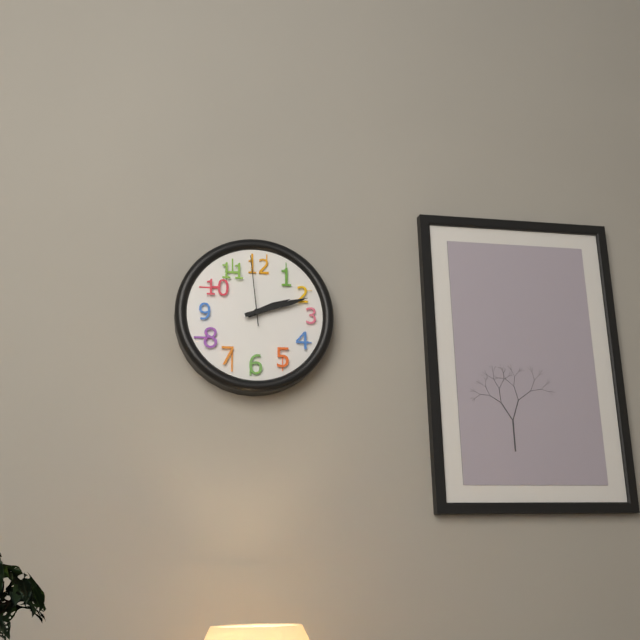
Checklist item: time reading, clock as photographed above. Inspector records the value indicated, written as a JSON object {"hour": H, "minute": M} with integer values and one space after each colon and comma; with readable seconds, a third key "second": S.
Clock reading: {"hour": 2, "minute": 12, "second": 59}
